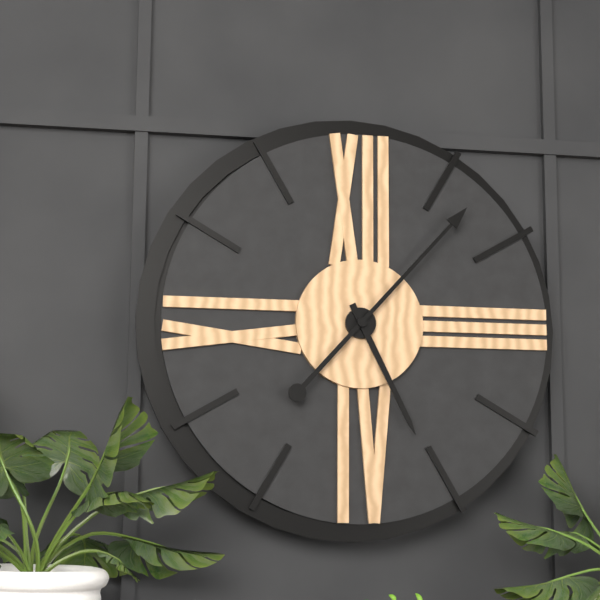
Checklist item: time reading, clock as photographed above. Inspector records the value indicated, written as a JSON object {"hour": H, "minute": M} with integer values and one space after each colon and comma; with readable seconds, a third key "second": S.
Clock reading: {"hour": 5, "minute": 7}
